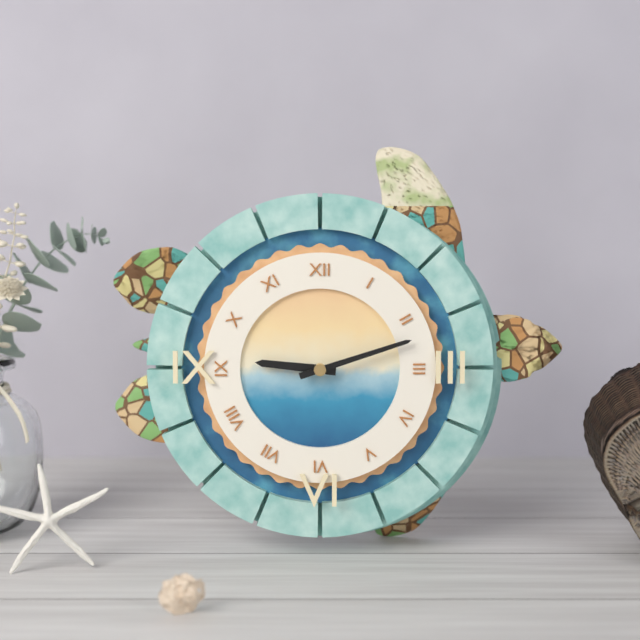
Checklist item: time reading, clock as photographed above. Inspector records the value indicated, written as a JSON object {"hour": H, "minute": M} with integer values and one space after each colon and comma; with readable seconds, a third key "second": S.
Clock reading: {"hour": 9, "minute": 12}
